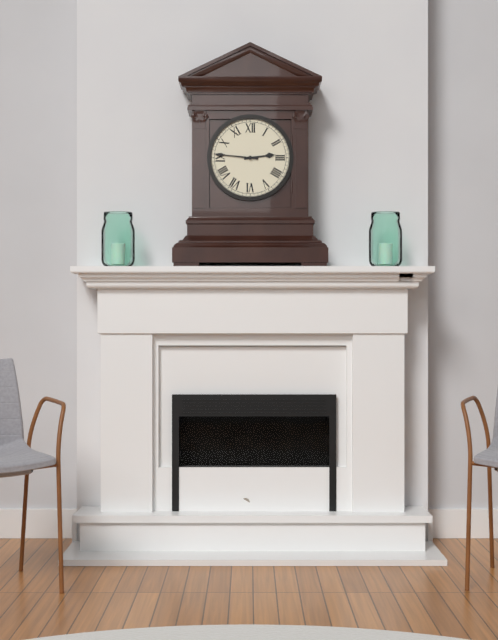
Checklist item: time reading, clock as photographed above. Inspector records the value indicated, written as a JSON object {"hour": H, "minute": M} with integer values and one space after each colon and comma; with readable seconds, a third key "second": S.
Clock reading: {"hour": 2, "minute": 46}
